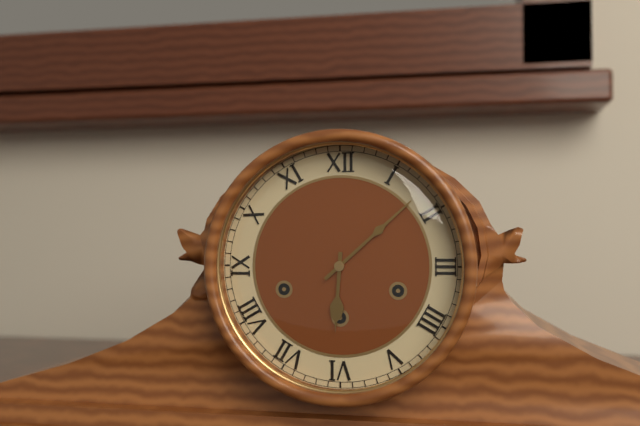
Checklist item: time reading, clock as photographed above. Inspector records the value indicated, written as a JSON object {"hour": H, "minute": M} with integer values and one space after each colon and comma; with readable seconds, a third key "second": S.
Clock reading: {"hour": 6, "minute": 8}
